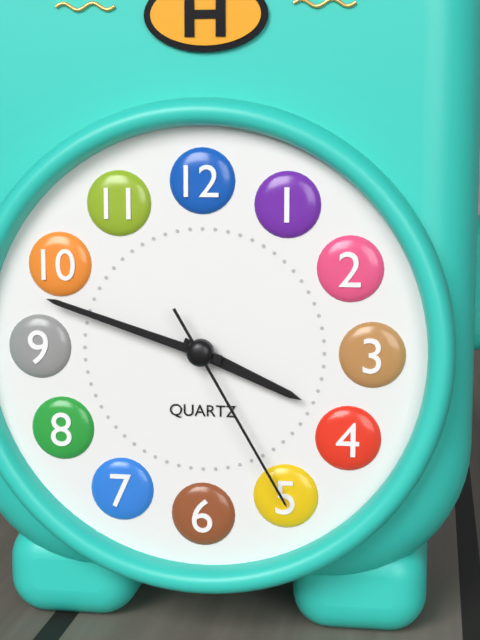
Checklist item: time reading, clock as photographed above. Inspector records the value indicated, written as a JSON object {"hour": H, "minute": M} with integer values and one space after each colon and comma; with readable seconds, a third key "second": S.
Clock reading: {"hour": 3, "minute": 48, "second": 25}
